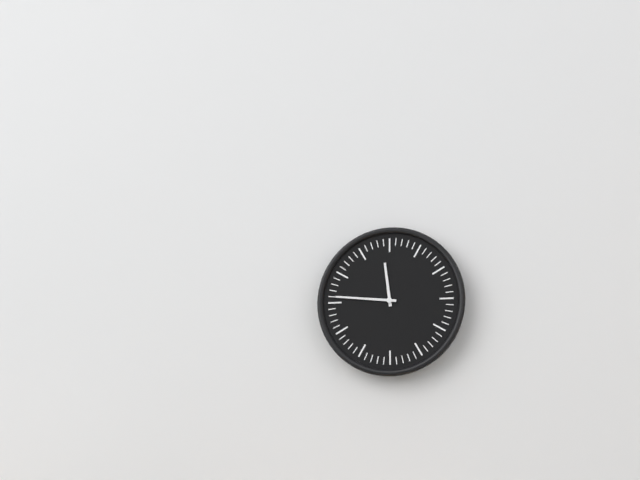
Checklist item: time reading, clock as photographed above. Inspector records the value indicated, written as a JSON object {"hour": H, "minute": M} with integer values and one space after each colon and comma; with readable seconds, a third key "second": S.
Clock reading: {"hour": 11, "minute": 46}
